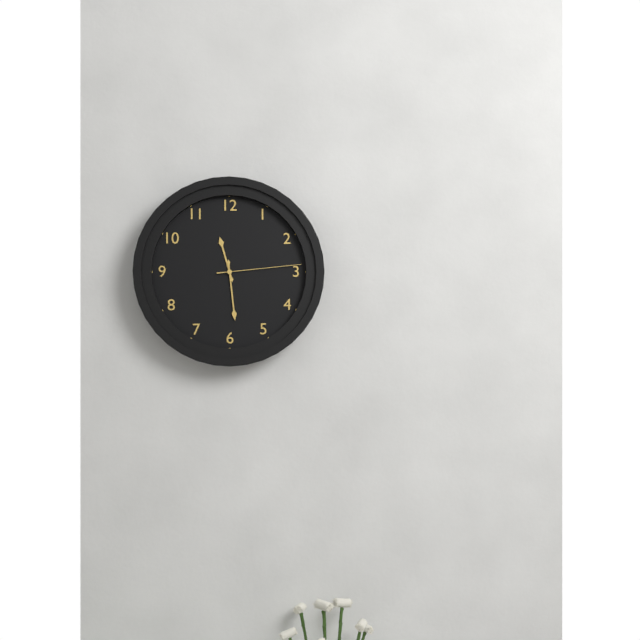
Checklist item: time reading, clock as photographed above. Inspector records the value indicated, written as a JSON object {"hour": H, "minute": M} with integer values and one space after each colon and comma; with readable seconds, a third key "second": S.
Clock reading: {"hour": 11, "minute": 29, "second": 14}
